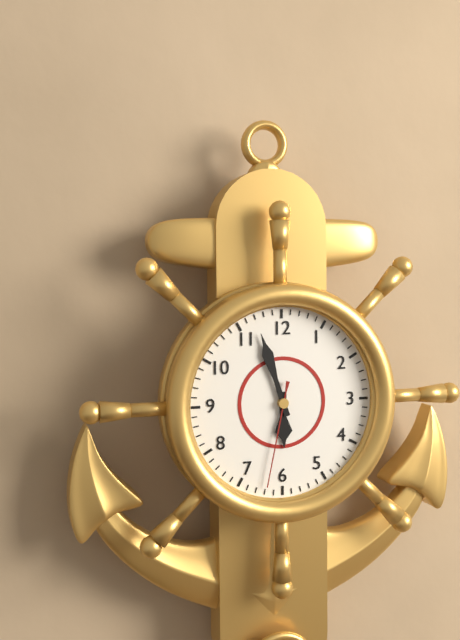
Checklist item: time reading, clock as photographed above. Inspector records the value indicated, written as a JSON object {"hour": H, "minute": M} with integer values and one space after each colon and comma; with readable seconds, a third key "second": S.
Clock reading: {"hour": 5, "minute": 57, "second": 32}
